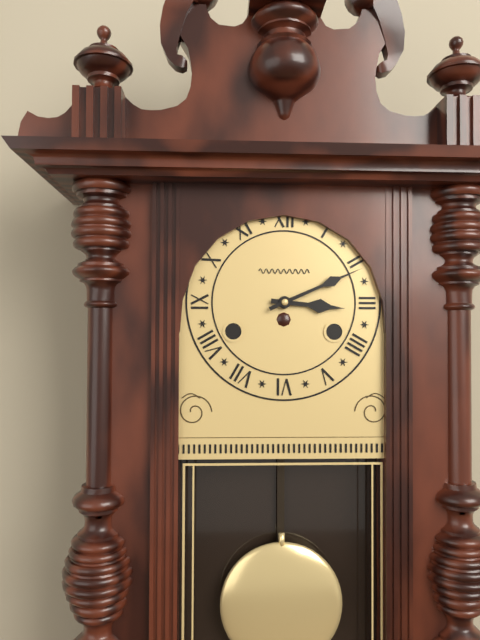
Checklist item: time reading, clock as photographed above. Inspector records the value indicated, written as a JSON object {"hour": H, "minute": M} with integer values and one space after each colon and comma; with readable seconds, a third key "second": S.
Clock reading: {"hour": 3, "minute": 11}
